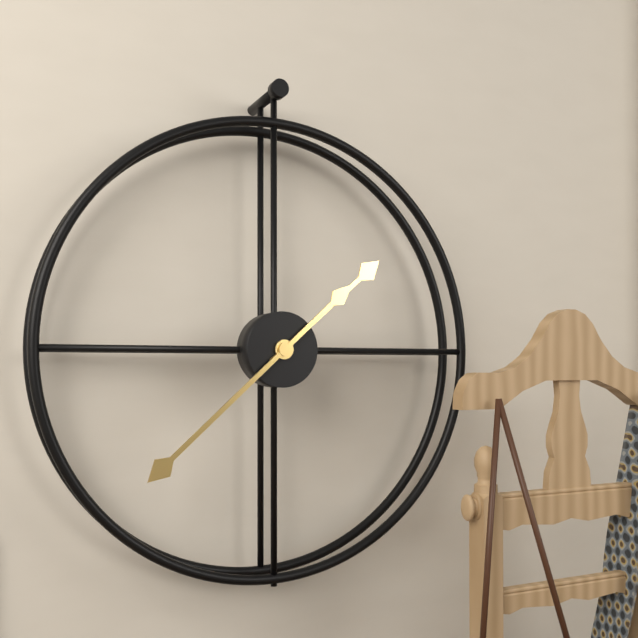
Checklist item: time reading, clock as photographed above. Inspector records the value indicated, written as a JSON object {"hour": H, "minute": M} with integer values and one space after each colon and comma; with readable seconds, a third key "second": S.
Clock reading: {"hour": 1, "minute": 38}
